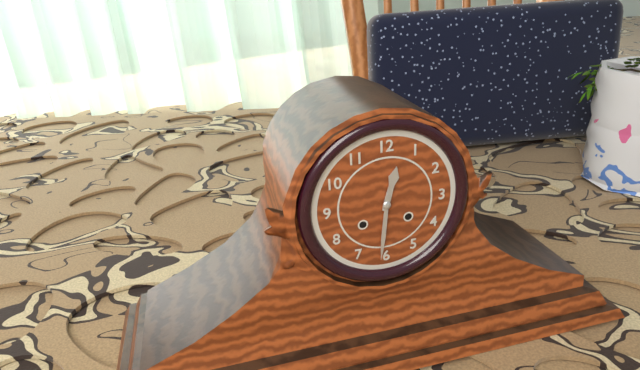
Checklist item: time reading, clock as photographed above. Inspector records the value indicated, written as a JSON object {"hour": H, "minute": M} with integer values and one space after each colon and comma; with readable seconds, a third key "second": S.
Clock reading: {"hour": 12, "minute": 31}
